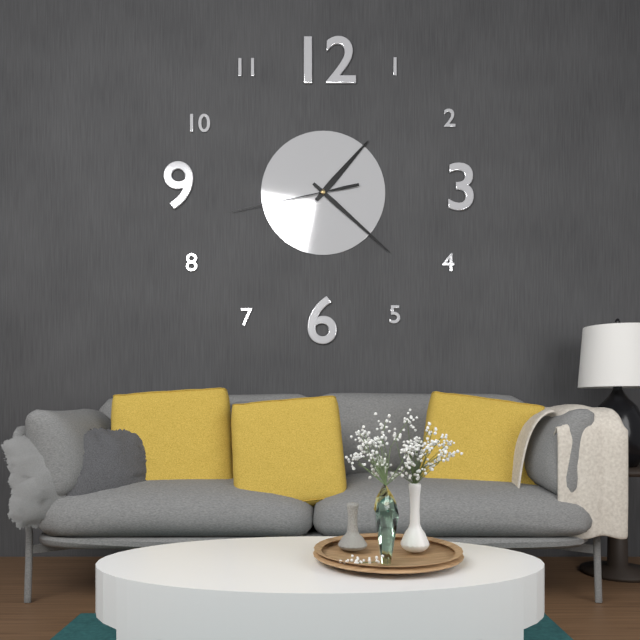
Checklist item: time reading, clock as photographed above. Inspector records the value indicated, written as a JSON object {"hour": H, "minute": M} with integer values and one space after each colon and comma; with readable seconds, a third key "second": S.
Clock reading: {"hour": 1, "minute": 22, "second": 43}
